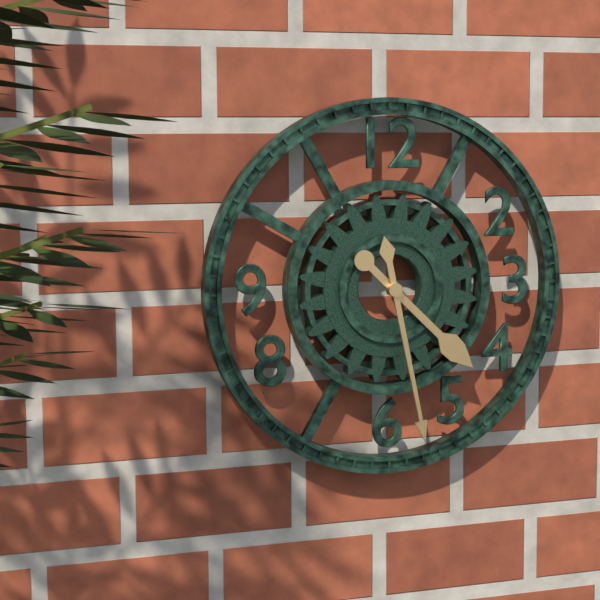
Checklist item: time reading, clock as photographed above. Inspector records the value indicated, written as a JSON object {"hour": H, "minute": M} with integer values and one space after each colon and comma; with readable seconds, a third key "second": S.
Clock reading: {"hour": 4, "minute": 28}
